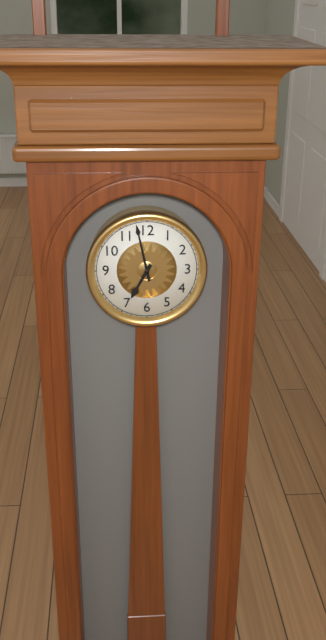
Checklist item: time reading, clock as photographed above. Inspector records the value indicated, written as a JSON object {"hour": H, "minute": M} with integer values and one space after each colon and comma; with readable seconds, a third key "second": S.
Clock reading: {"hour": 6, "minute": 58}
